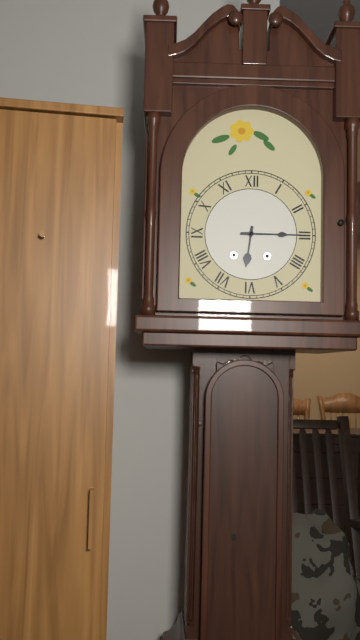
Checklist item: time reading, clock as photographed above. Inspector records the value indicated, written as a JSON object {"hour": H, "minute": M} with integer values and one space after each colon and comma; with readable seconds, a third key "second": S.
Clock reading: {"hour": 6, "minute": 15}
